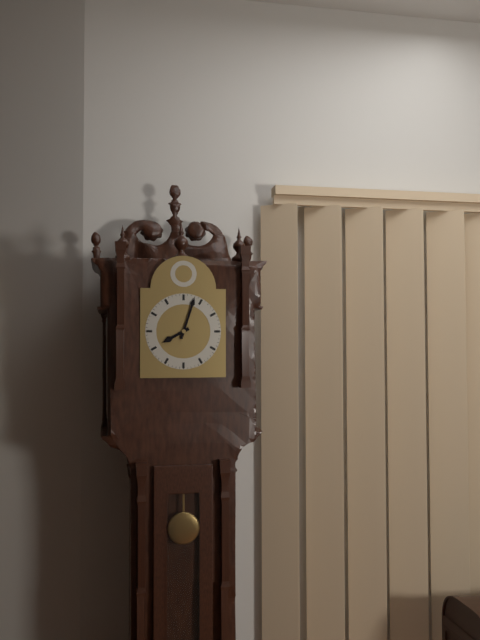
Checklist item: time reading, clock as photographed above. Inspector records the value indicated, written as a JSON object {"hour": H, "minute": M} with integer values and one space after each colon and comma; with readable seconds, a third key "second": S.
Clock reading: {"hour": 8, "minute": 3}
